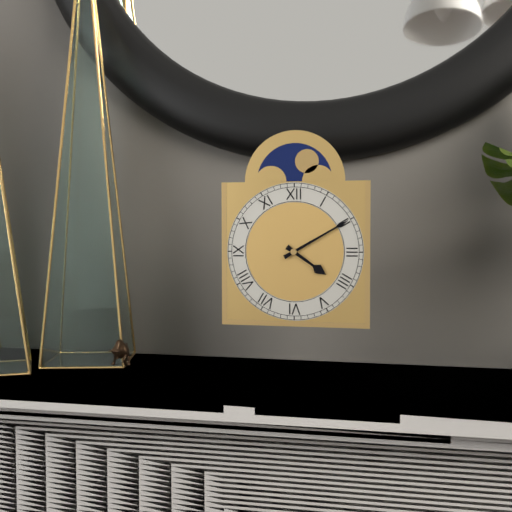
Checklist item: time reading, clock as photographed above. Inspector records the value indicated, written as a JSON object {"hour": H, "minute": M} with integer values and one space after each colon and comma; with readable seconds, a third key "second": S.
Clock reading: {"hour": 4, "minute": 10}
